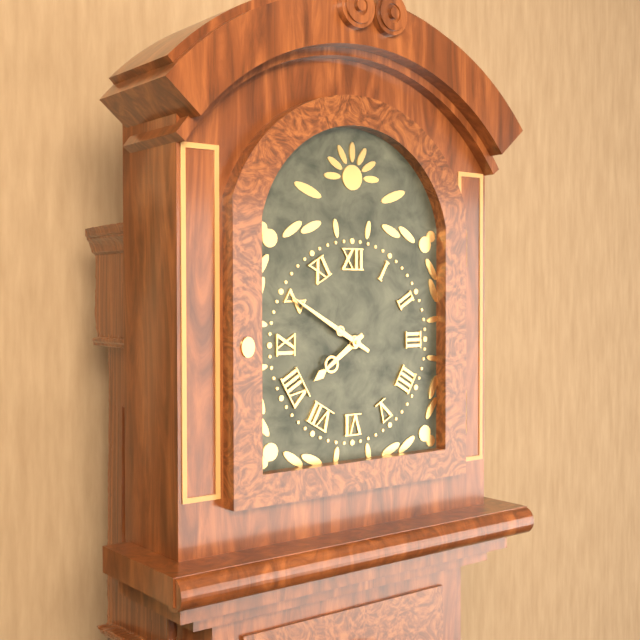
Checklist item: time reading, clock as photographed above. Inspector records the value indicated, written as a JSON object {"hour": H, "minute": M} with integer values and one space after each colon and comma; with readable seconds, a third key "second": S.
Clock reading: {"hour": 7, "minute": 50}
